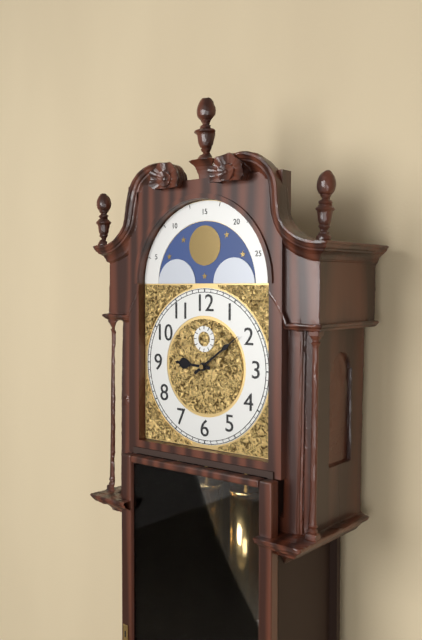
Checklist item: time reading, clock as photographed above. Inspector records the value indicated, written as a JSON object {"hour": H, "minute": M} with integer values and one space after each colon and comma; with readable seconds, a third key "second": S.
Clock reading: {"hour": 9, "minute": 9}
